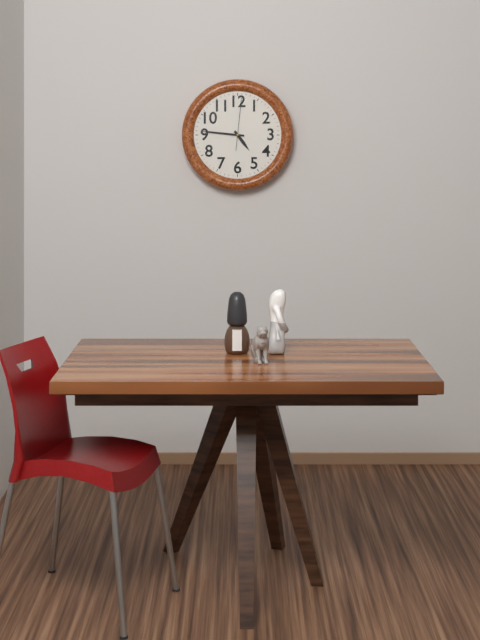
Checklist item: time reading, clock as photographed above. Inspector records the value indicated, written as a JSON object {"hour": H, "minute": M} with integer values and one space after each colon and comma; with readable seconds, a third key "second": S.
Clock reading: {"hour": 4, "minute": 46}
